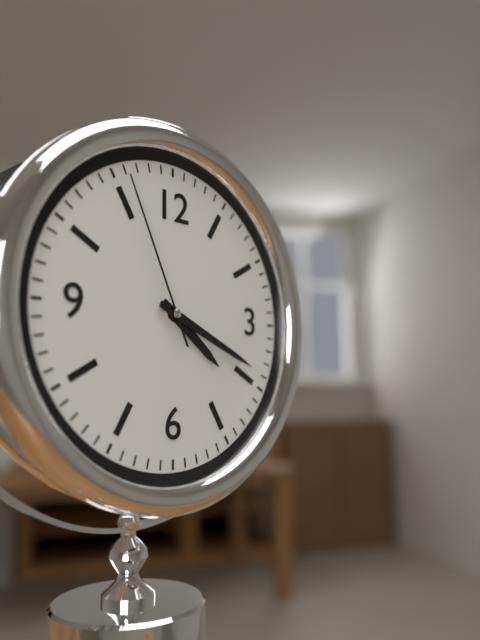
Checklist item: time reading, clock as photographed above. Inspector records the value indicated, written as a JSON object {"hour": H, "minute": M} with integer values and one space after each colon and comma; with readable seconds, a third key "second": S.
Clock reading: {"hour": 4, "minute": 19, "second": 56}
